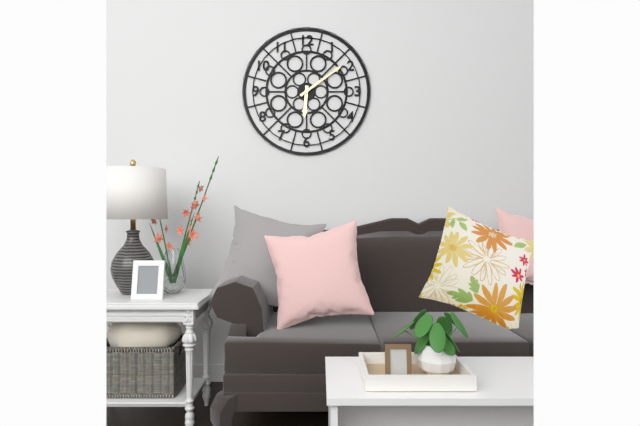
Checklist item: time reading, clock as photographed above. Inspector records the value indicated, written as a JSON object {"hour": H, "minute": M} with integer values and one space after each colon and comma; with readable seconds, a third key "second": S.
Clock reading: {"hour": 6, "minute": 9}
